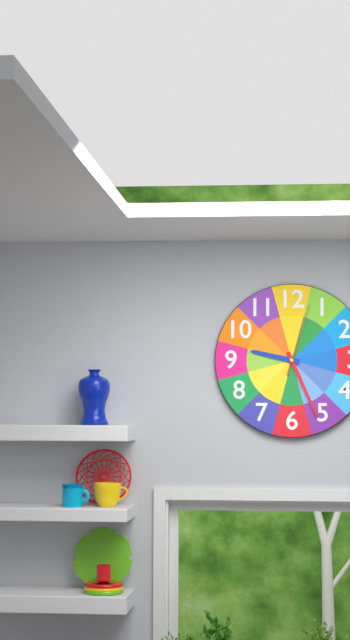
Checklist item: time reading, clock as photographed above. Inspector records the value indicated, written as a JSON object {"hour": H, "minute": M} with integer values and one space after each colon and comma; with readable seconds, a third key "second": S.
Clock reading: {"hour": 9, "minute": 26, "second": 3}
